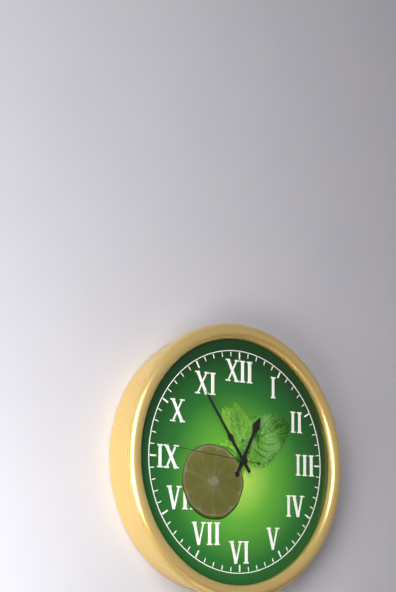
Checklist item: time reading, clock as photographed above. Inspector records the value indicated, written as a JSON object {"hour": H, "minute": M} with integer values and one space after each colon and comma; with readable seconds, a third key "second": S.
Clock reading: {"hour": 12, "minute": 54, "second": 46}
